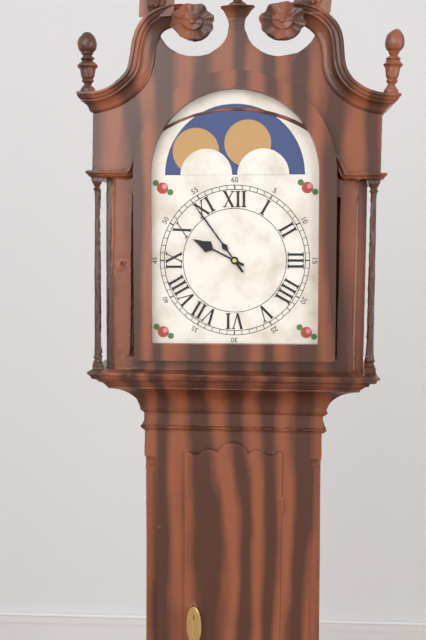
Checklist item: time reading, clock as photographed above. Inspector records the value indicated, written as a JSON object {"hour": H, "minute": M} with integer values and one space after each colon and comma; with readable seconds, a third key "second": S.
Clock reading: {"hour": 9, "minute": 54}
